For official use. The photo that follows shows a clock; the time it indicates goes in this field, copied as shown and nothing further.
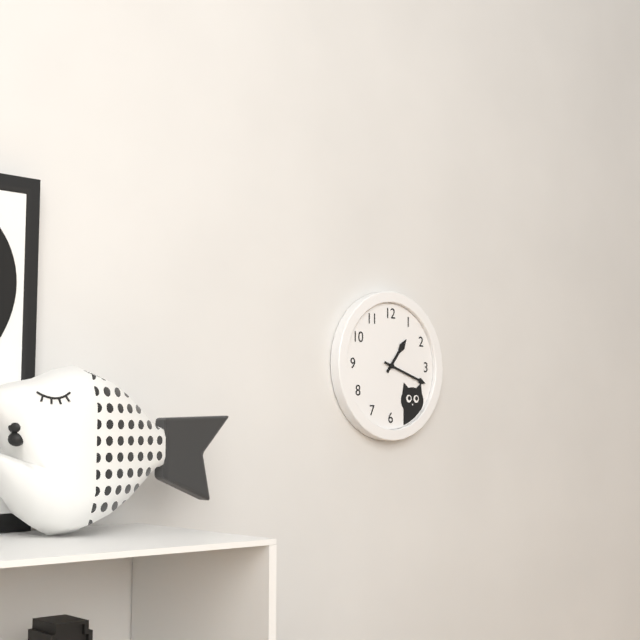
1:18
